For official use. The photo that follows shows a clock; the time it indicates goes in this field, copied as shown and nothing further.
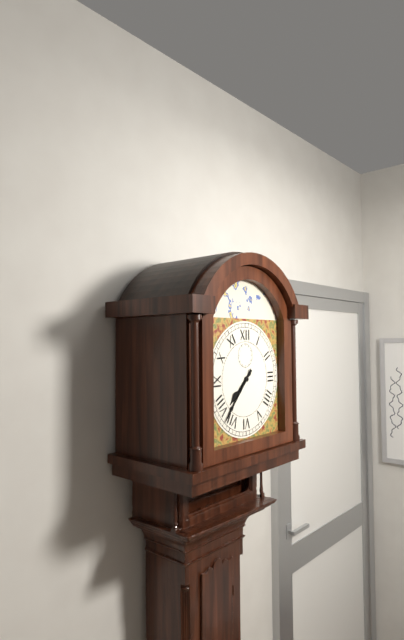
7:37
